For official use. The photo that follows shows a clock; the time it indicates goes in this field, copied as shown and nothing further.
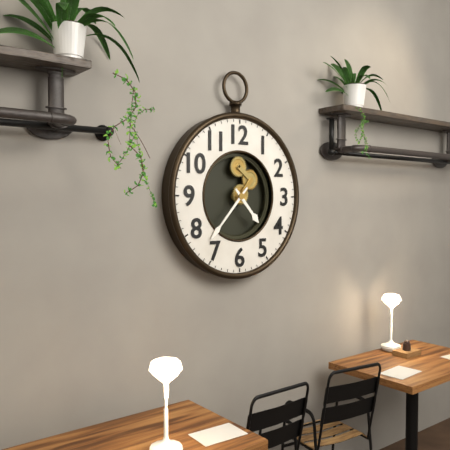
4:37
